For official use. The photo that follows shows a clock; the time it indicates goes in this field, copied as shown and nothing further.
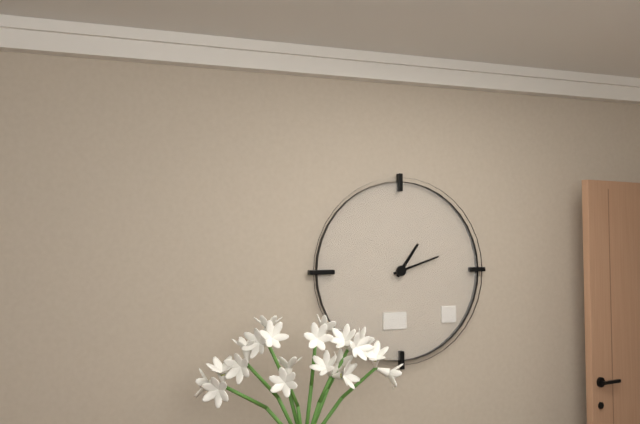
1:12
